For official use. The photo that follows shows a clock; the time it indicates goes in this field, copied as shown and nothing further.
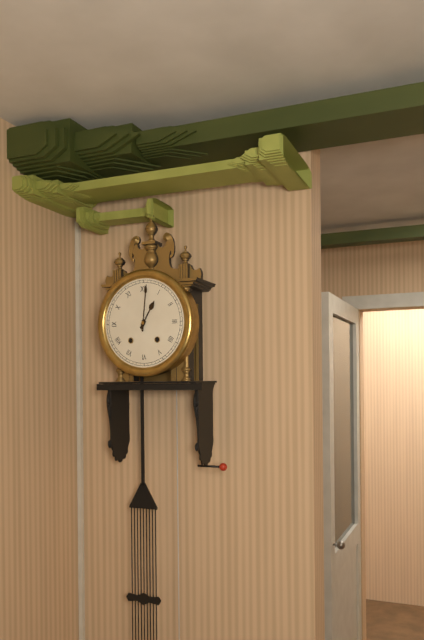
1:01
